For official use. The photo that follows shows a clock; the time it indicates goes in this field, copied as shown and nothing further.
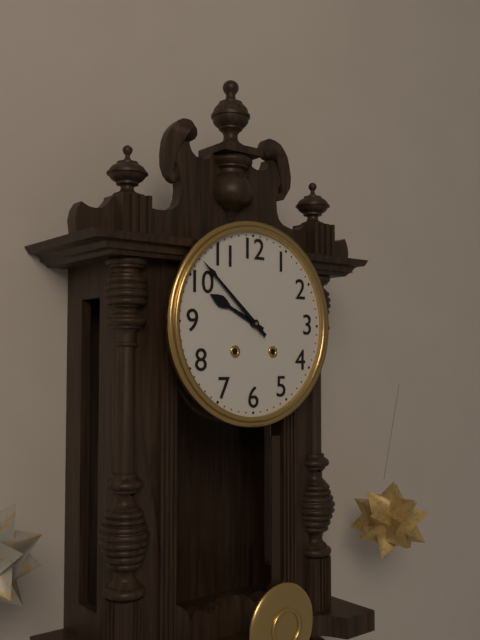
9:52
